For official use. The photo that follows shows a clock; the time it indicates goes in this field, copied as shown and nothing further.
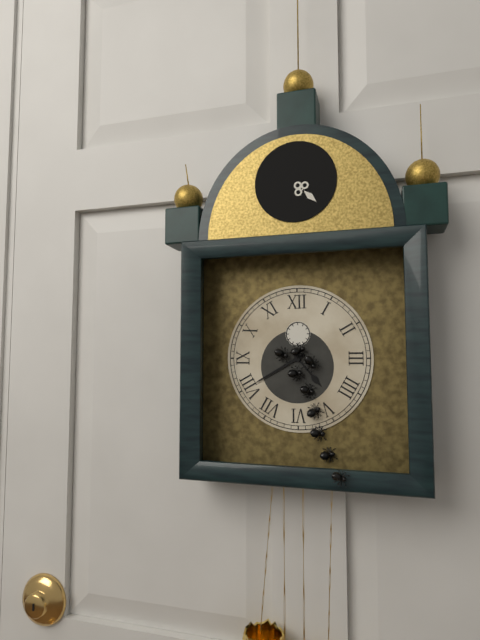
4:40
